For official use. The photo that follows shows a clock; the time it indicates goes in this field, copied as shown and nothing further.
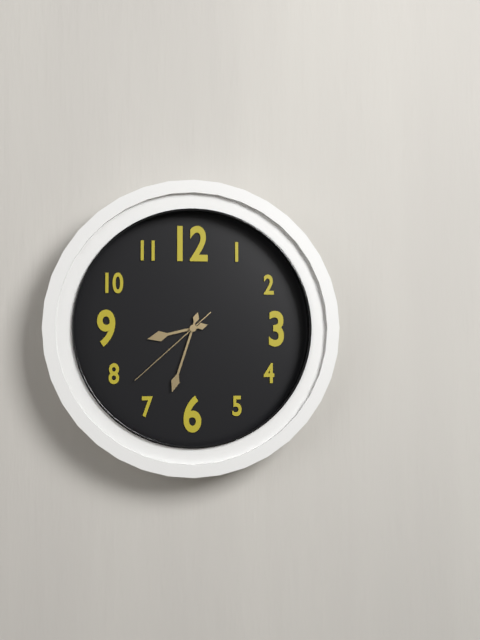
8:33:38
